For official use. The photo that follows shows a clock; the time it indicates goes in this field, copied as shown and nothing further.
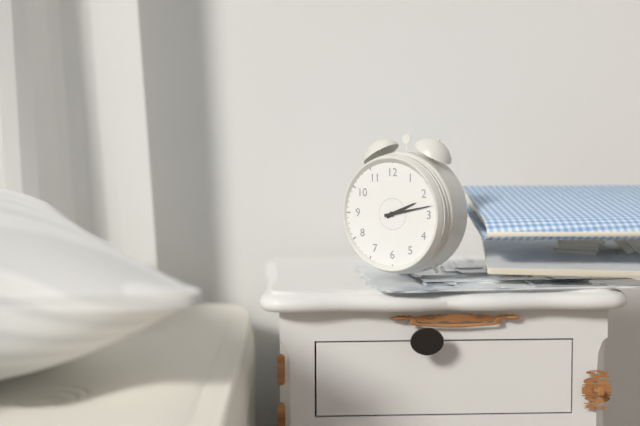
2:13
